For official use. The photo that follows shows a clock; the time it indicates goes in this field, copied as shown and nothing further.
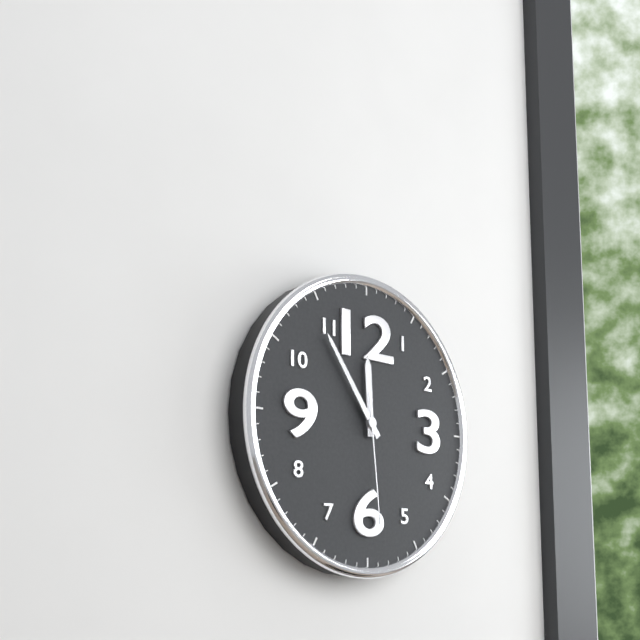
11:54:29
